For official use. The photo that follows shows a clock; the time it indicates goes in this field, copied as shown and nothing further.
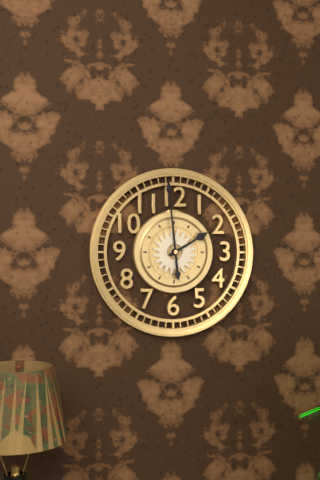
1:59
